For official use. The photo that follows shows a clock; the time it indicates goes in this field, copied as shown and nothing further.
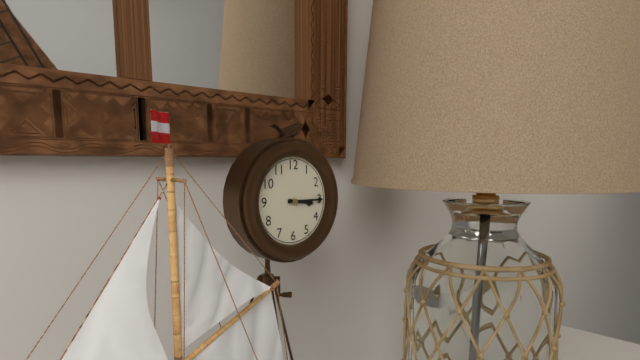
3:15
